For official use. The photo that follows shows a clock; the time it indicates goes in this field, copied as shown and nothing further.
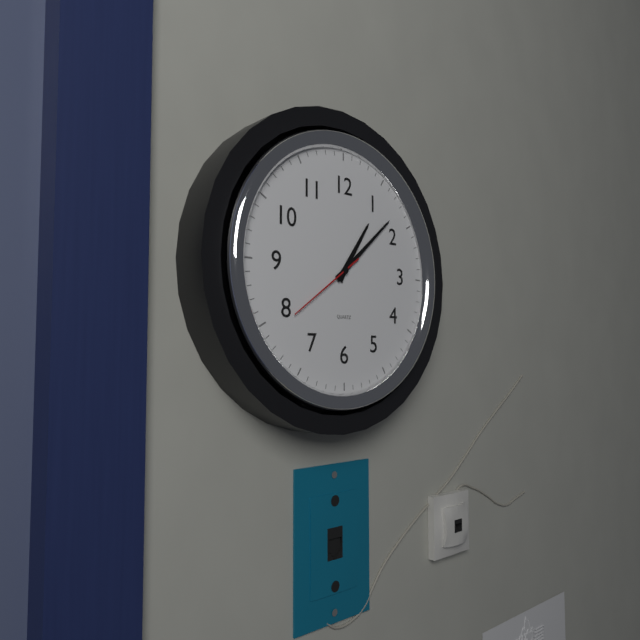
1:08:39
